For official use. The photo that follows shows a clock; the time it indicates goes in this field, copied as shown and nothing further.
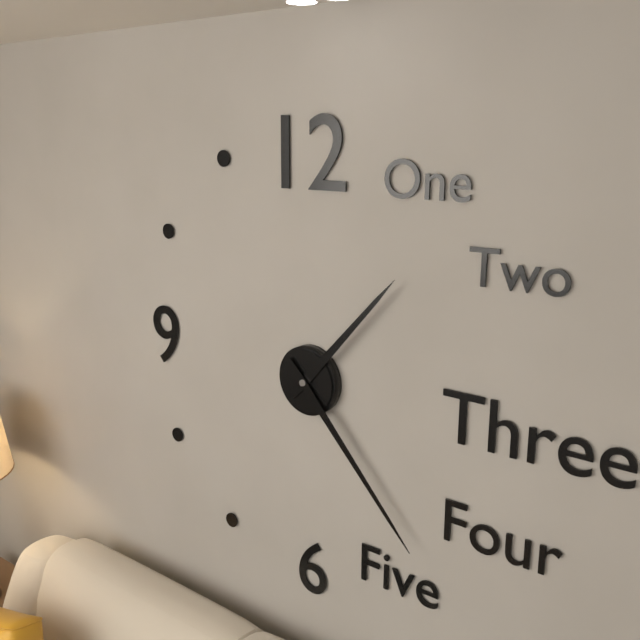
1:23
